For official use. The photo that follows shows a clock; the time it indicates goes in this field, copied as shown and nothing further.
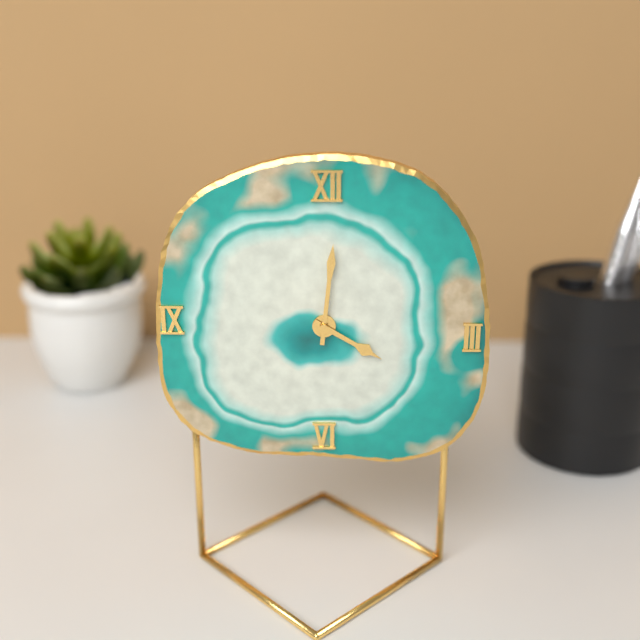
4:01
